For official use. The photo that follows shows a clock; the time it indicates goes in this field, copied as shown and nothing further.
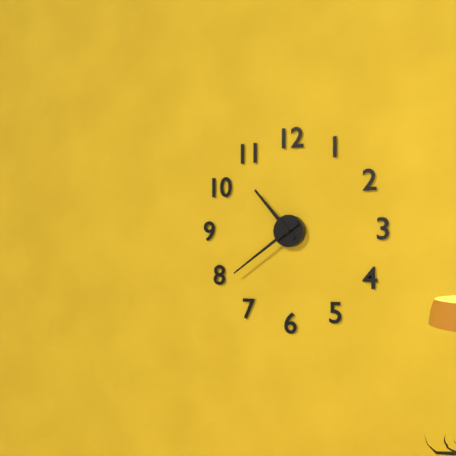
10:39
